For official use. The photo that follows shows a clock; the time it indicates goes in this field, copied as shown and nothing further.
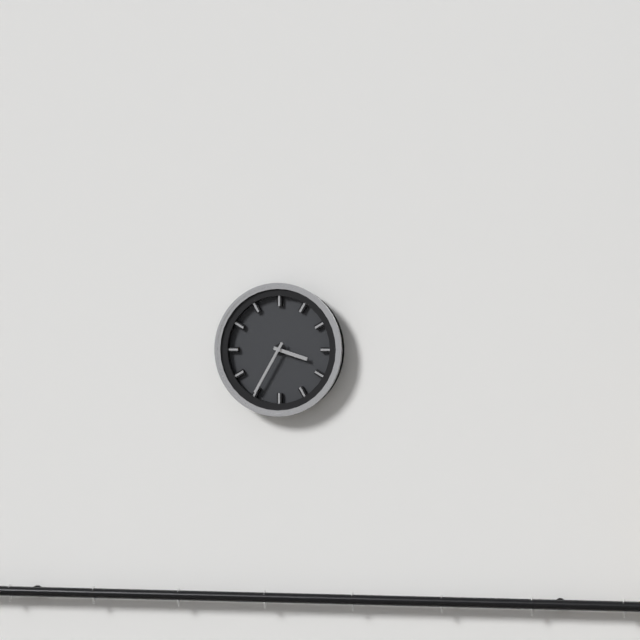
3:35
